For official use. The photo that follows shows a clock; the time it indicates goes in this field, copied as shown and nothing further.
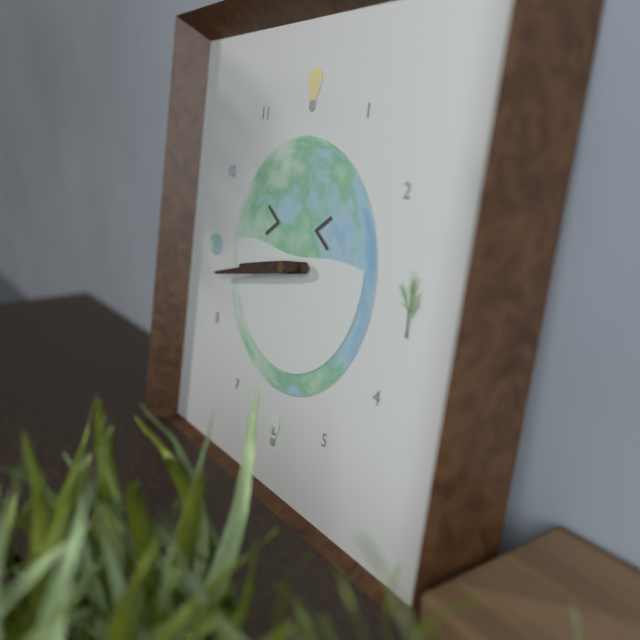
8:43
